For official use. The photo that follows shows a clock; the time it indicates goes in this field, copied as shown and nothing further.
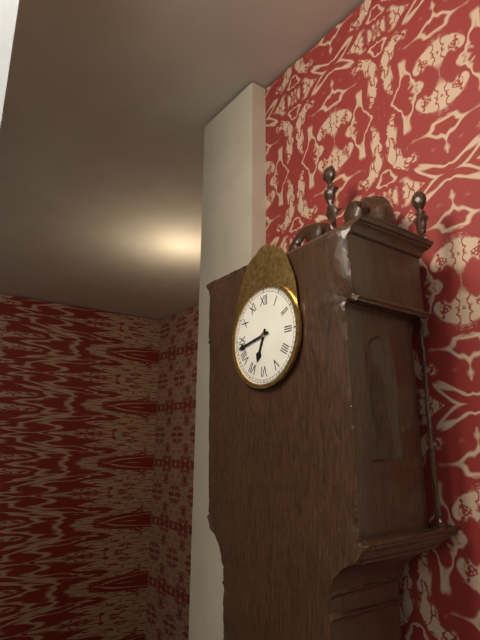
6:43
